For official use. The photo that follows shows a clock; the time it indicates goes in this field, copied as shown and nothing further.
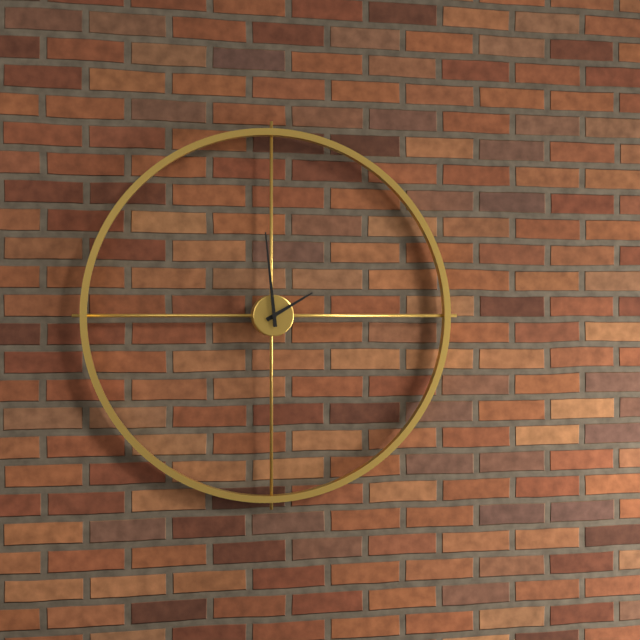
1:59
